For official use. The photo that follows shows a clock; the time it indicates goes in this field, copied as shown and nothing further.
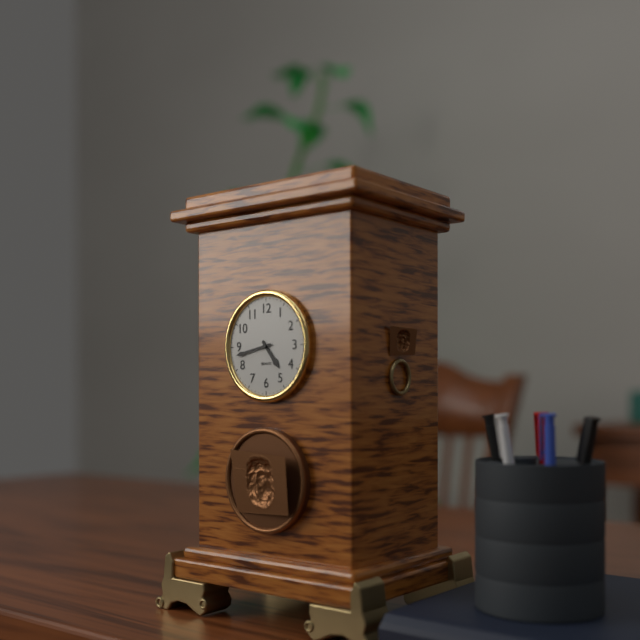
4:43
